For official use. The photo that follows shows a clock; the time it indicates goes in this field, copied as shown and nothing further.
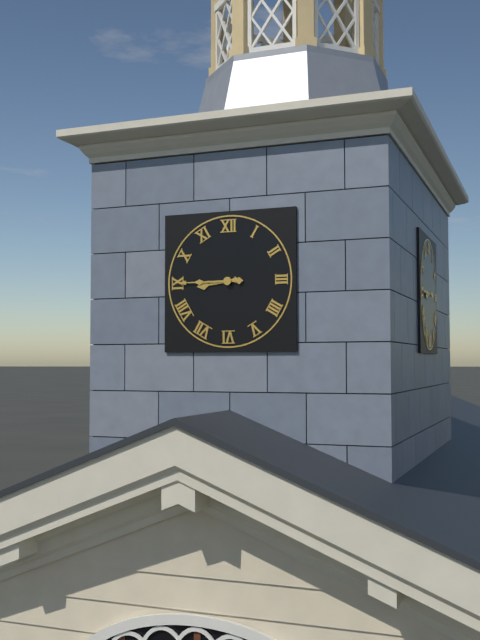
8:45
